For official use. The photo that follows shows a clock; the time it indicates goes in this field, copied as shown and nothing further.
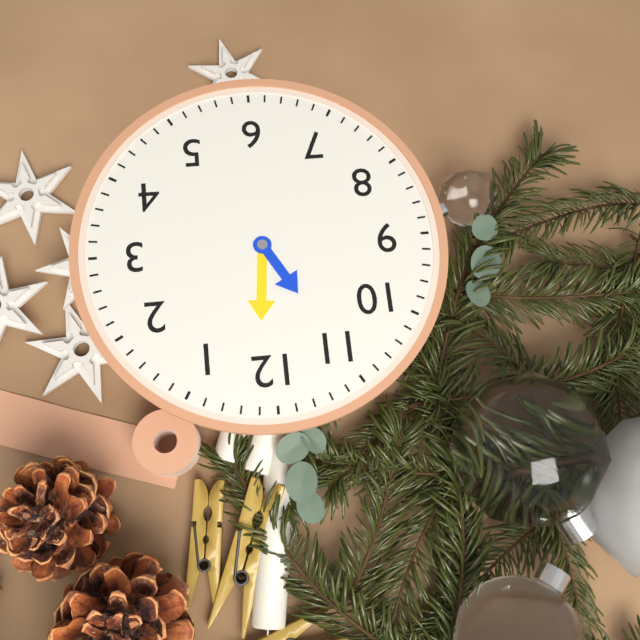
11:01
